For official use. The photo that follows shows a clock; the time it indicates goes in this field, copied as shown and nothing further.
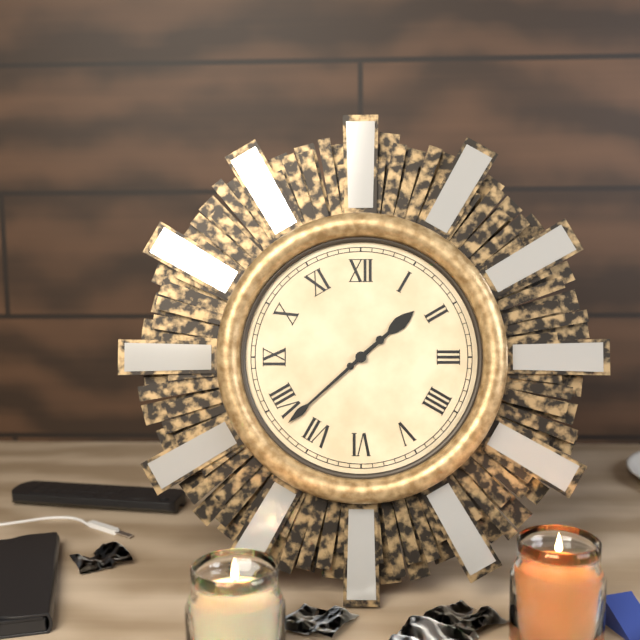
1:38
